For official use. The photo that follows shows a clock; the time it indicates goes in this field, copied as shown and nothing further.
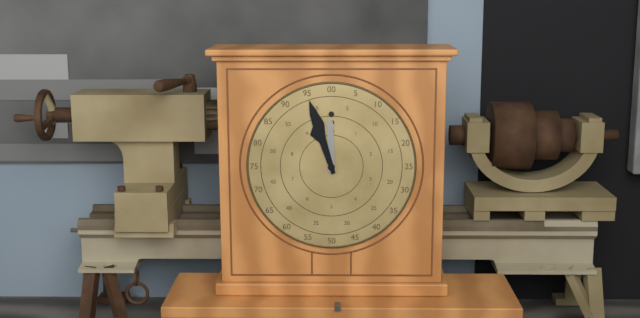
11:57
